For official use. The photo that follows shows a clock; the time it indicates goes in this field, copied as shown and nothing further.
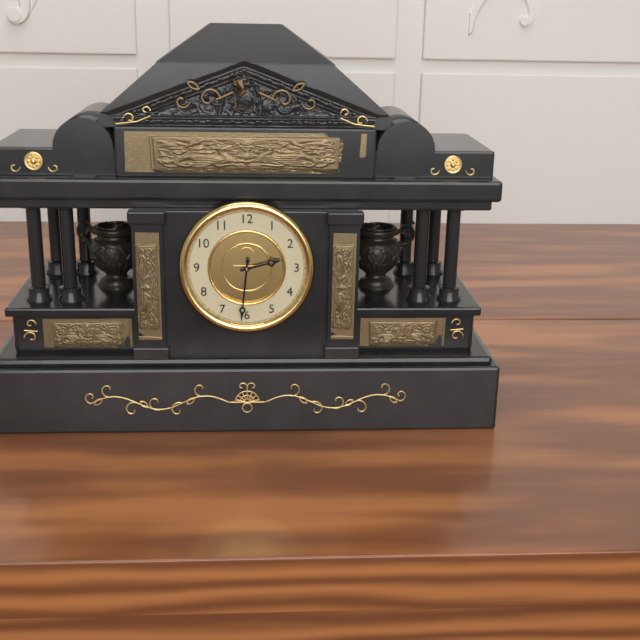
2:31
